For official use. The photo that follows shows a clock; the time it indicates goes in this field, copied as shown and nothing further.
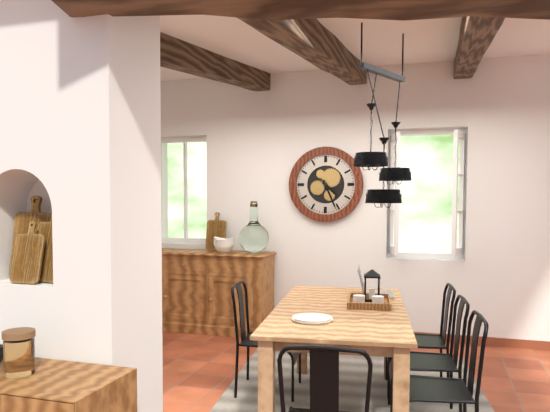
4:26
